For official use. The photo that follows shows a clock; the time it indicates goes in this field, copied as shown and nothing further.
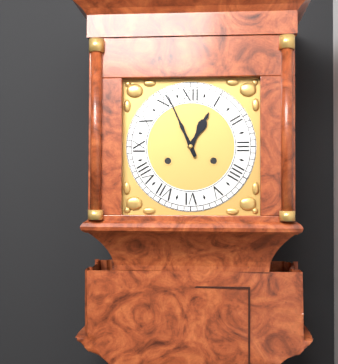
12:56
